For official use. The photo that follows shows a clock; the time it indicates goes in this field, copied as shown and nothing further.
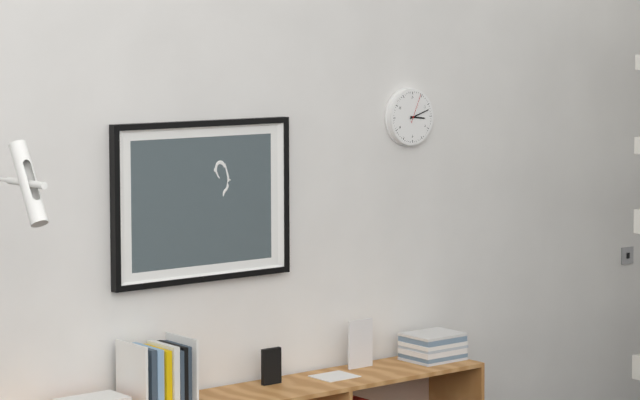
3:12
